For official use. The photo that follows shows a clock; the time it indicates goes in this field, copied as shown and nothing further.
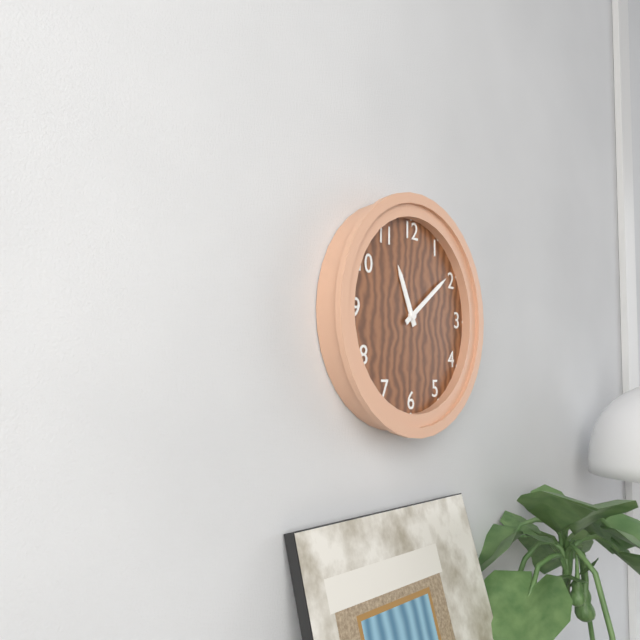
11:09
